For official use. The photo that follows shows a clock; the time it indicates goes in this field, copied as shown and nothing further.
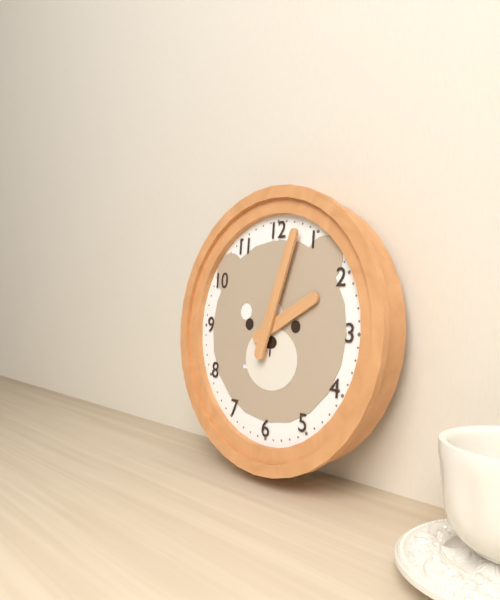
2:03
